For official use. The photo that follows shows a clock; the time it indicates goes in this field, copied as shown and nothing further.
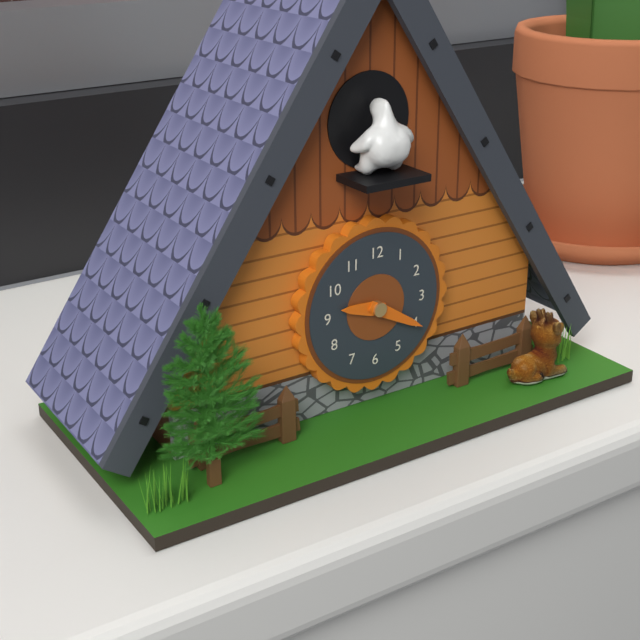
9:20
